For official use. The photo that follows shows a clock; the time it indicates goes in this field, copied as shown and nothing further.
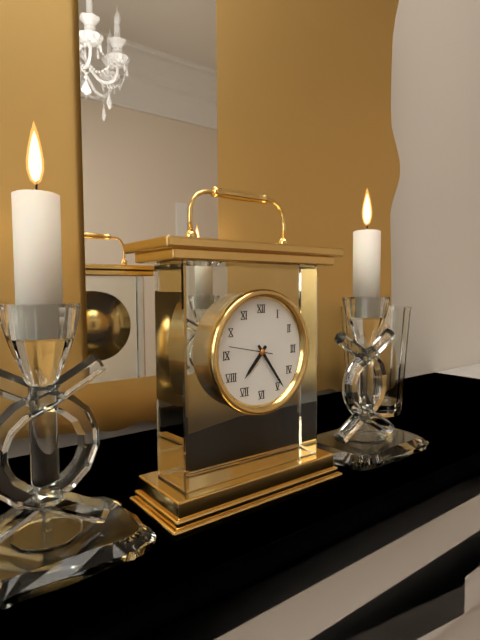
7:24
